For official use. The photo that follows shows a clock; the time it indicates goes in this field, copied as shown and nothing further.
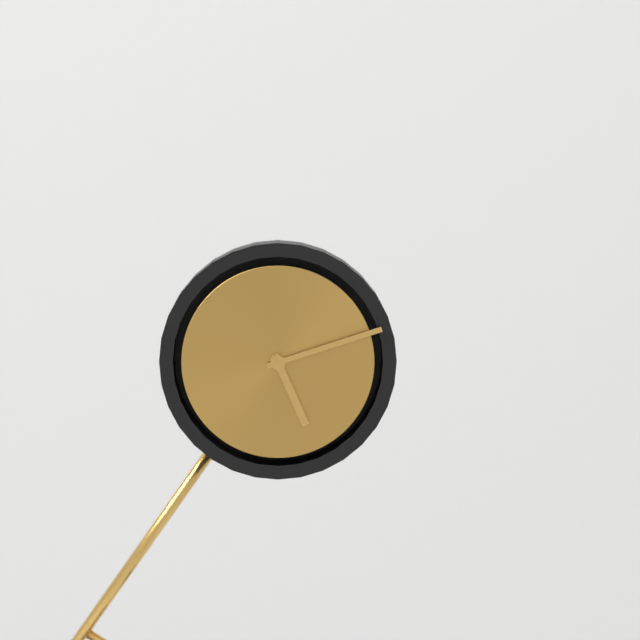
5:12
